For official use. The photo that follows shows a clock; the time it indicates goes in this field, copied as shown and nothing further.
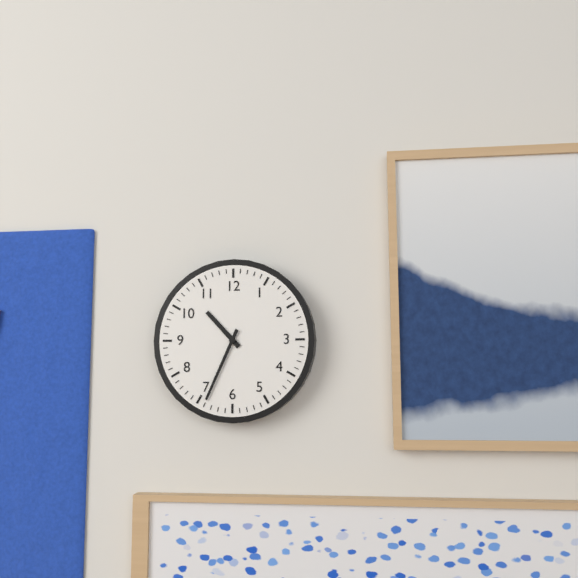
10:34
